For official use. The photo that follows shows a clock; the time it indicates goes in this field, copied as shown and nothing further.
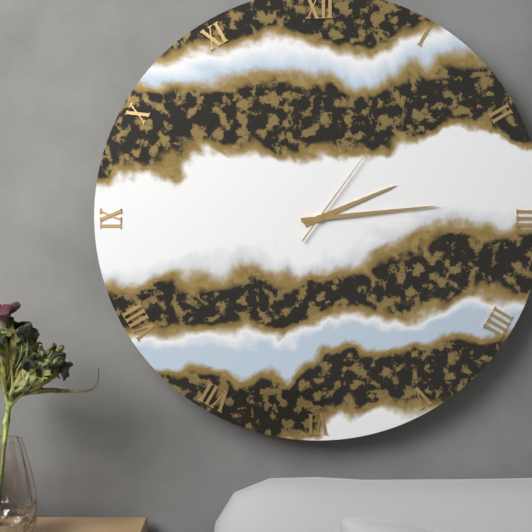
2:14:06
